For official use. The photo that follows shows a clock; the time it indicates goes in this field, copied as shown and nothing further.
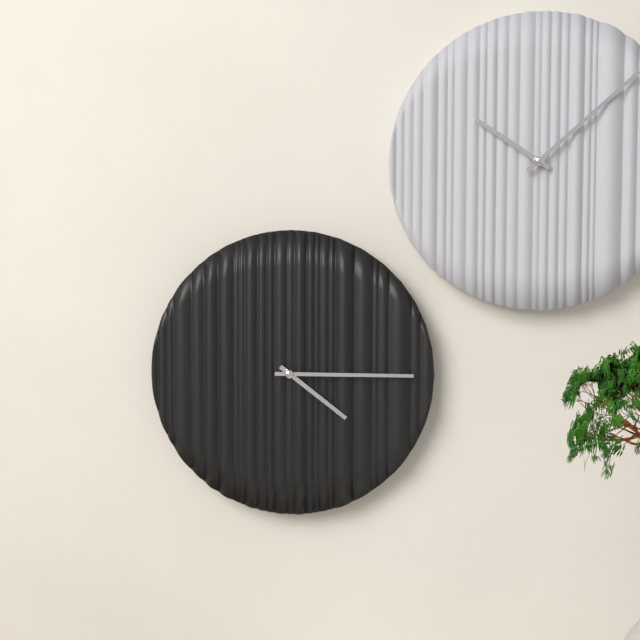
4:15
